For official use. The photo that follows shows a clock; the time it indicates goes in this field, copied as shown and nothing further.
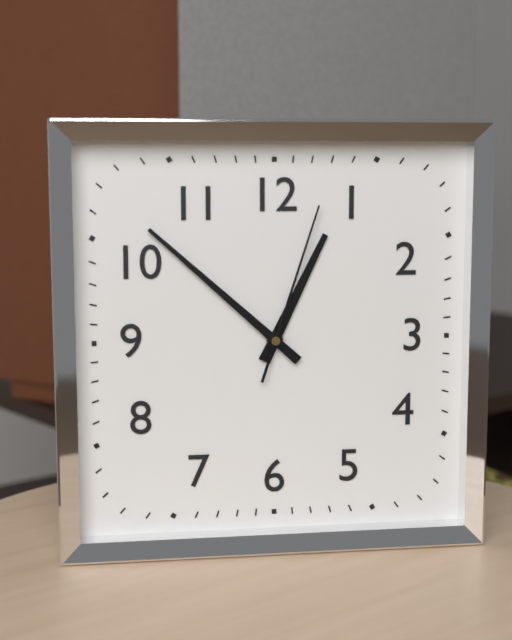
12:52:03
